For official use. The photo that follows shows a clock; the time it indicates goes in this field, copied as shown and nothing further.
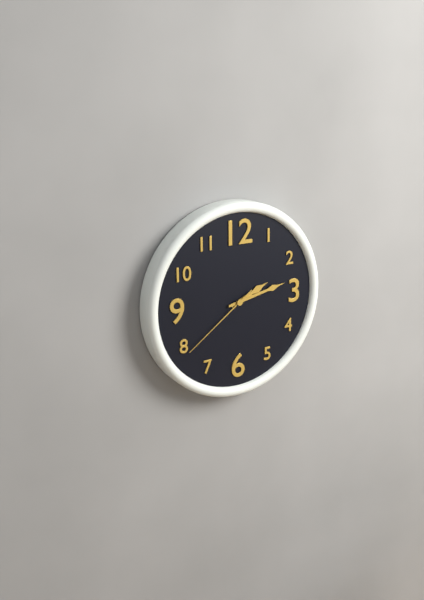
2:13:39
